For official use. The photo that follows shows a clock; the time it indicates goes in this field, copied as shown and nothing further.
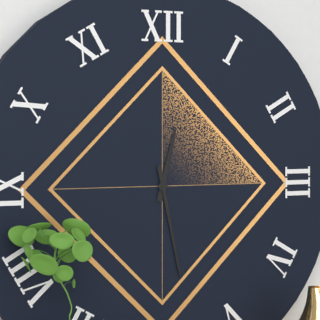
12:28
